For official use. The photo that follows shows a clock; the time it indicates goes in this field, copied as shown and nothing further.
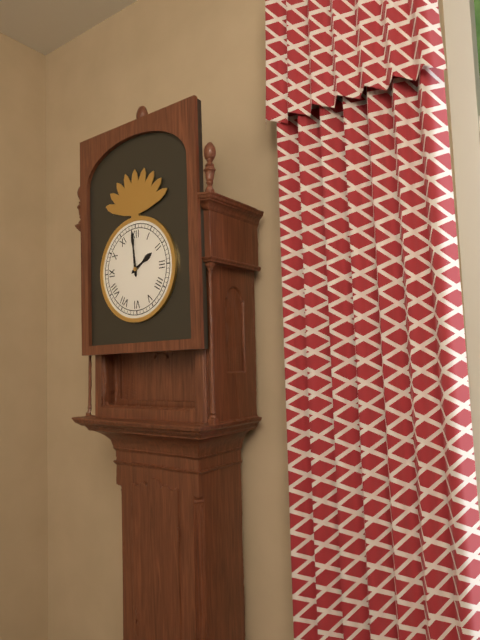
1:59
